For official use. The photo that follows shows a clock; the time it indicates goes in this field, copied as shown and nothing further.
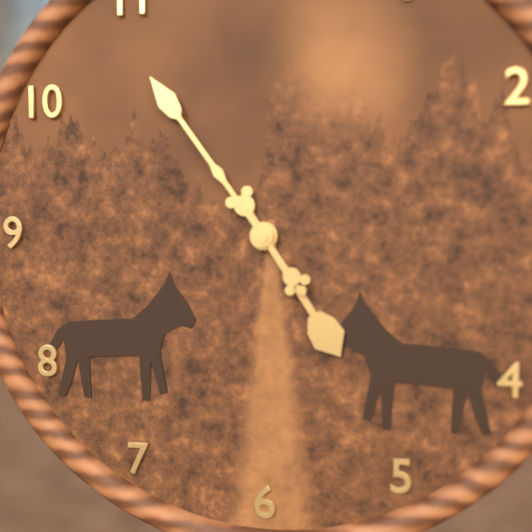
4:54
